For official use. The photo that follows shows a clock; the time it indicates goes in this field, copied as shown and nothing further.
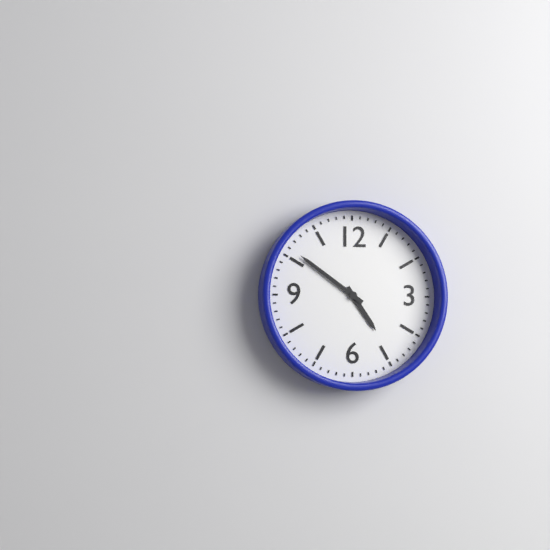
4:51
